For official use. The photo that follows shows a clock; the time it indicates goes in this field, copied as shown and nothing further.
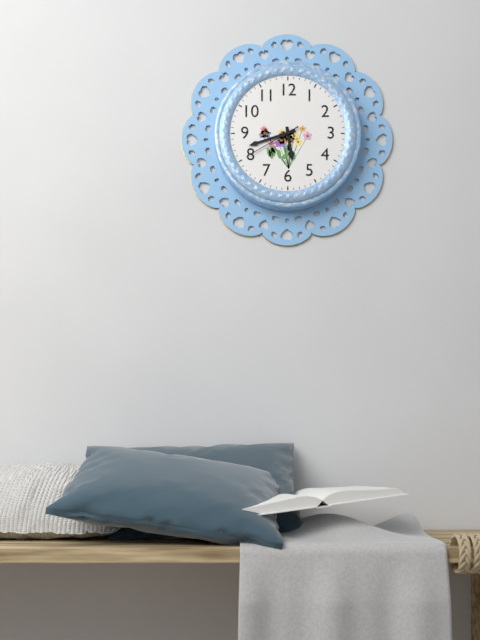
5:42:40
